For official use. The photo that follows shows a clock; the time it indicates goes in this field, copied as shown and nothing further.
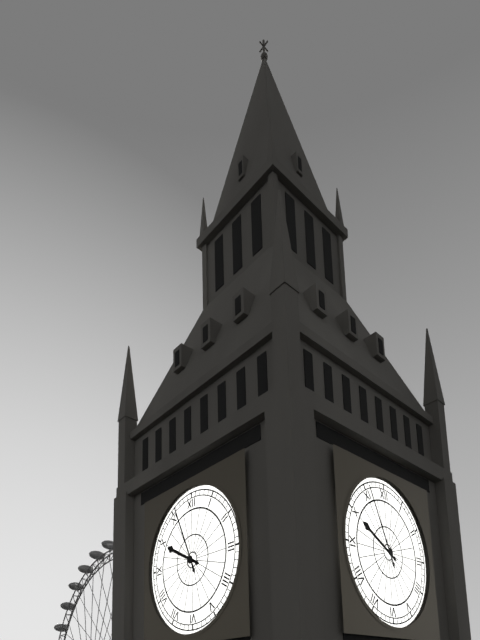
9:56
